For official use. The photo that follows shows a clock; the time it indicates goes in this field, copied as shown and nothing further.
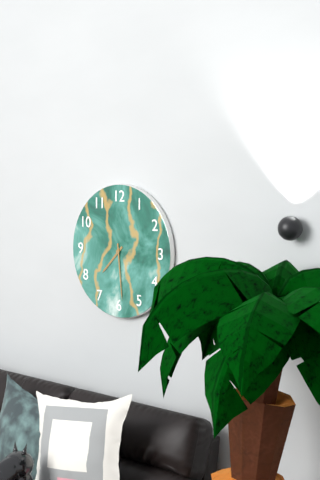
7:29
